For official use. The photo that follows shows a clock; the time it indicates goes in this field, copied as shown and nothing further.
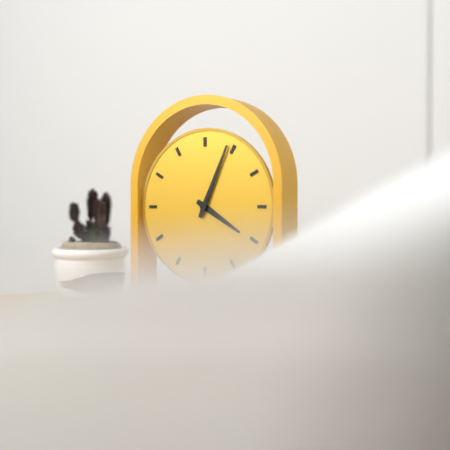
4:04
